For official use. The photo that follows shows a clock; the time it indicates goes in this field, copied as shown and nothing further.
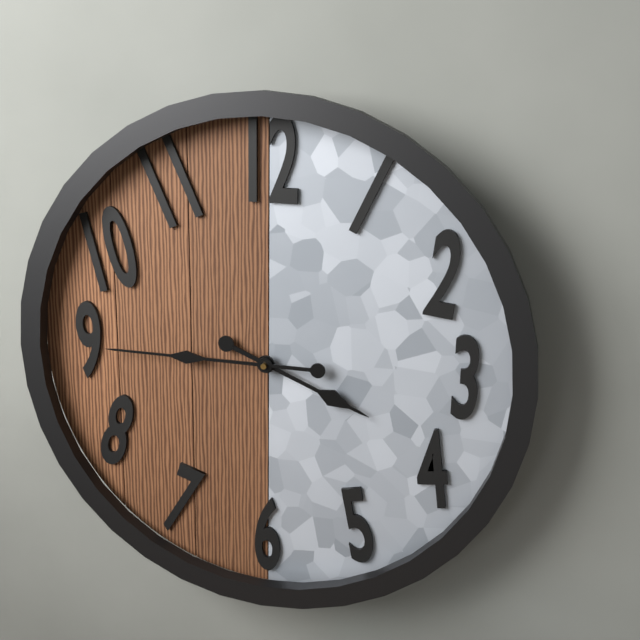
3:45
